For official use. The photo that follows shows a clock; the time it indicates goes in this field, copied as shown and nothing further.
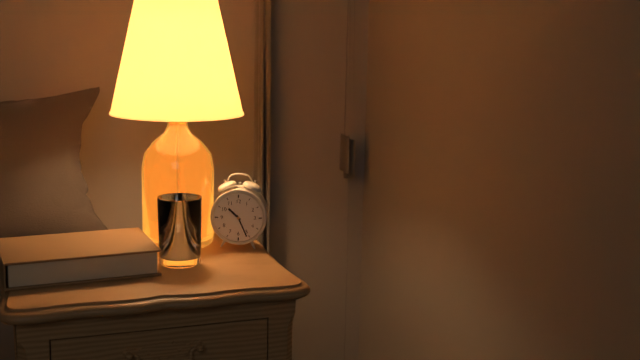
10:26
